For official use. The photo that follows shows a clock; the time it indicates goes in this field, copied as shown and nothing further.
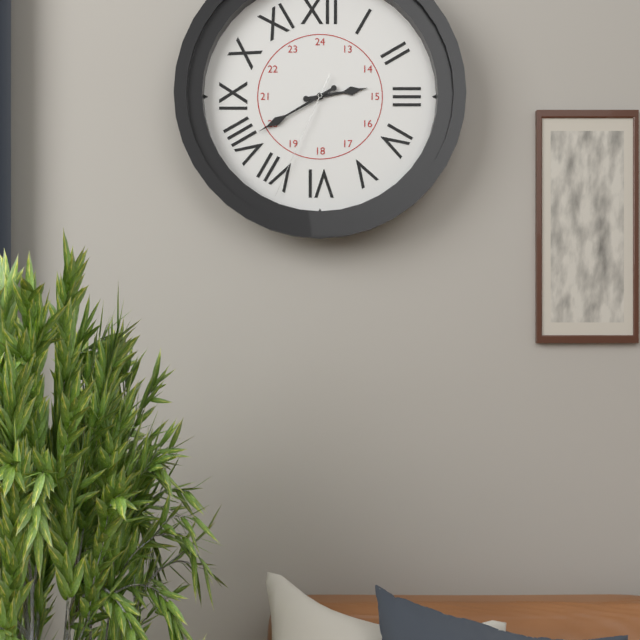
2:40:34
